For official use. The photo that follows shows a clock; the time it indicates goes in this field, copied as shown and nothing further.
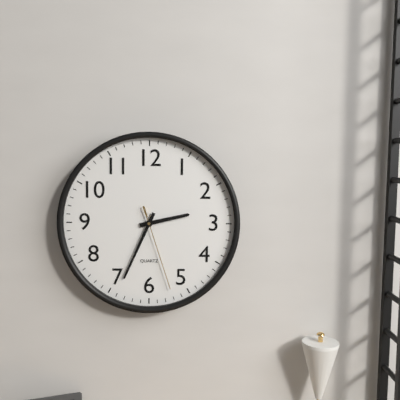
2:34:27
